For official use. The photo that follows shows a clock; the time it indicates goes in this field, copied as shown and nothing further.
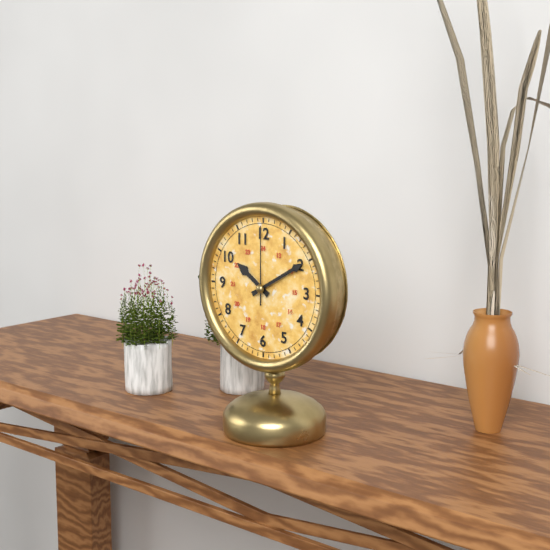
10:10:00
